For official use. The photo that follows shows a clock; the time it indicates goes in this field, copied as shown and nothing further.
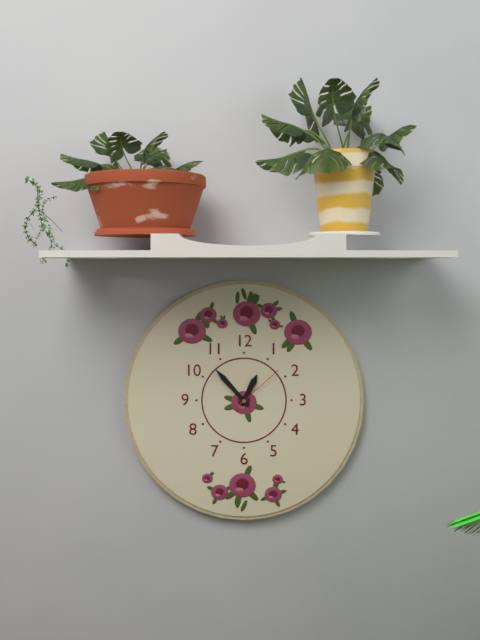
12:53:08
